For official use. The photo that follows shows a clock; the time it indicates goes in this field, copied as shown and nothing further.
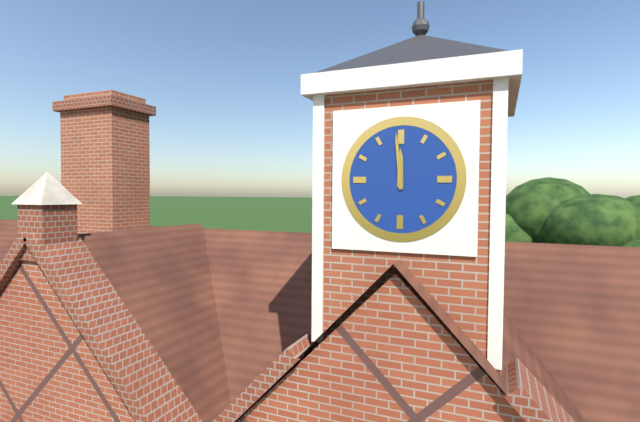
11:59
